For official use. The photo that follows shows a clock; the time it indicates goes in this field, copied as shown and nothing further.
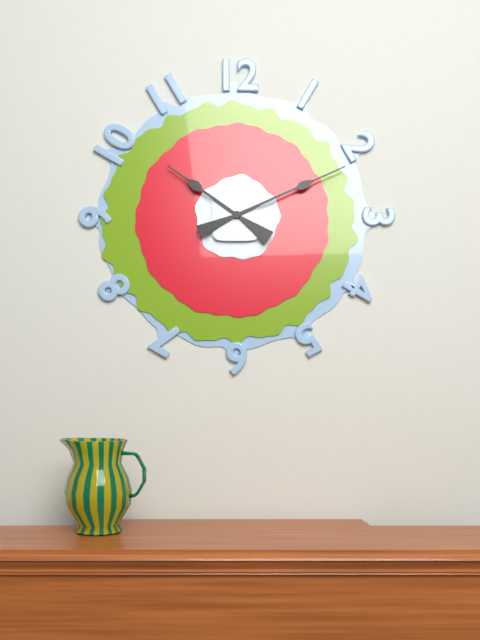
10:11
